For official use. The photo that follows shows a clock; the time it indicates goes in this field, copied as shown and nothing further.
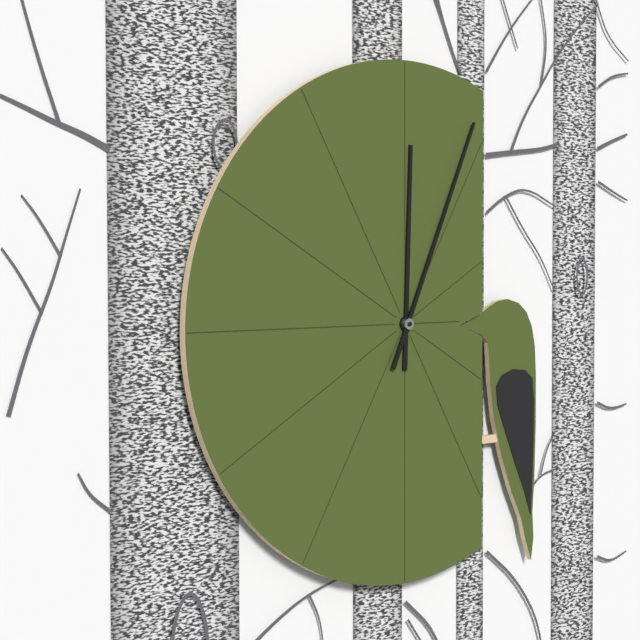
12:04
